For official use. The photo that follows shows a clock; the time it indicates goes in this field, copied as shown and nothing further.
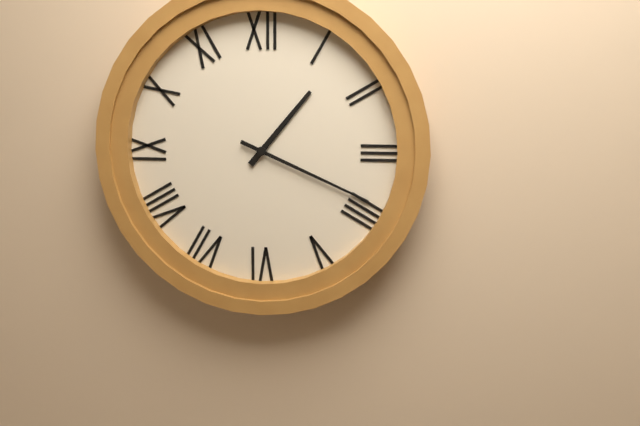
1:19
